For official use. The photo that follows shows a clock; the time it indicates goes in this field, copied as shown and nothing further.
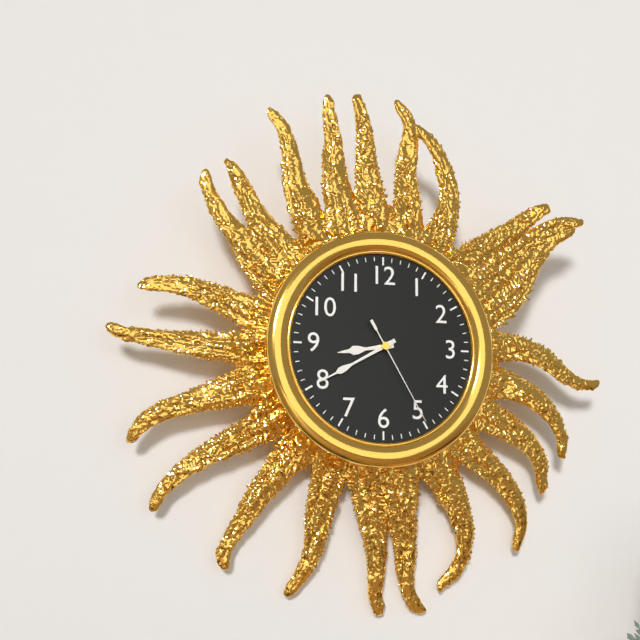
8:40:25
